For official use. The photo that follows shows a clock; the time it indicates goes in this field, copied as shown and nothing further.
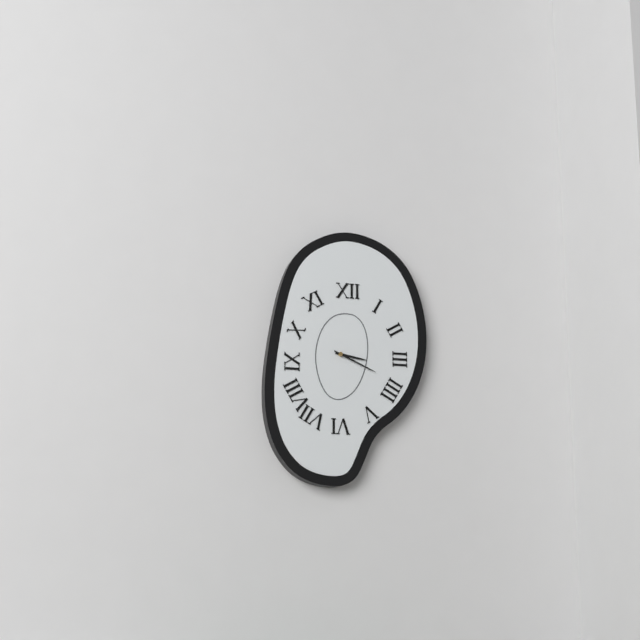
3:19
